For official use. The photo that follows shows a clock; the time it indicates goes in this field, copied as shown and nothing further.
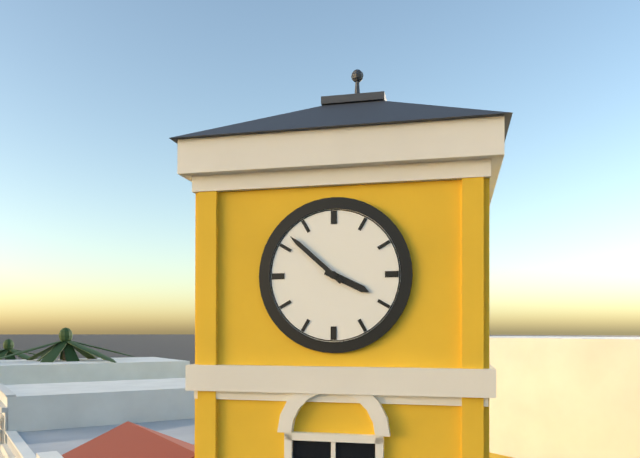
3:52
